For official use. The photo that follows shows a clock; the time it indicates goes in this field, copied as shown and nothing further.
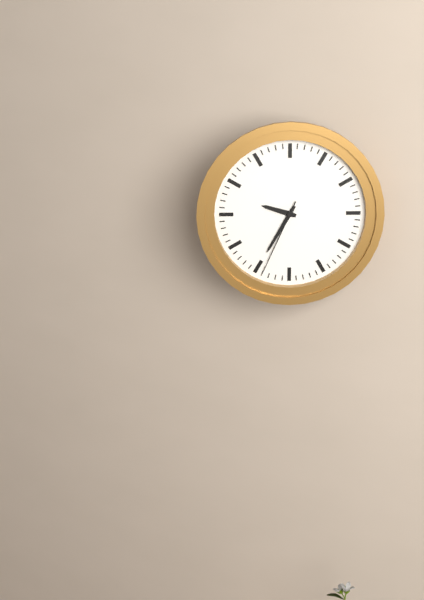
9:35:34
